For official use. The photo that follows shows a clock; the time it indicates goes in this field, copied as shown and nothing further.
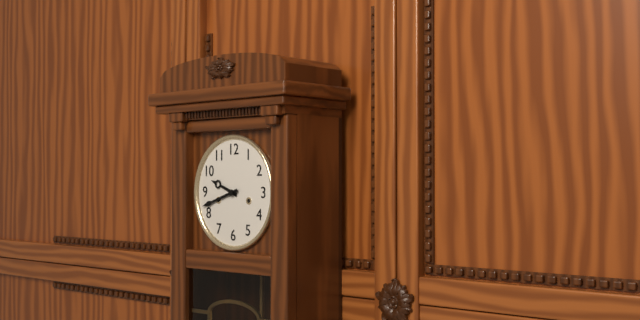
9:42
